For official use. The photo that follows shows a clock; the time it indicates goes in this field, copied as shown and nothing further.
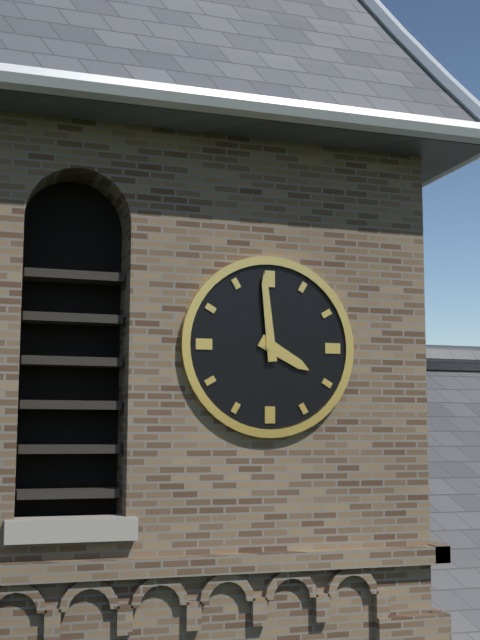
3:59
